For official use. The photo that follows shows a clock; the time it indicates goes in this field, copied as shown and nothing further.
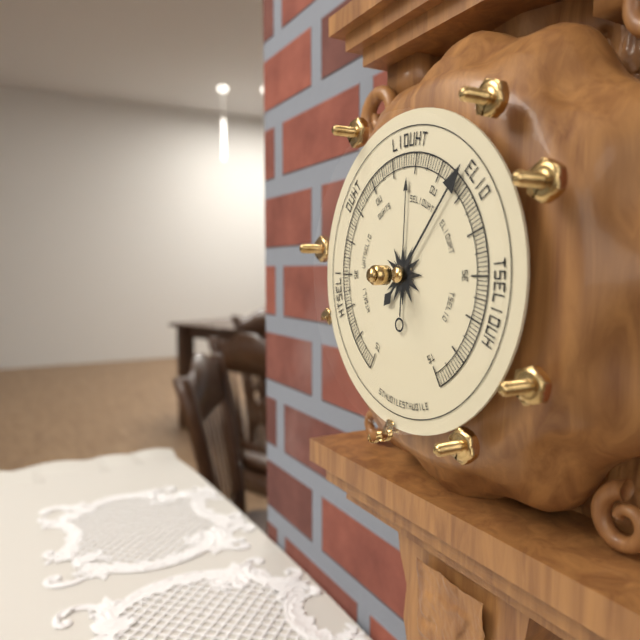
12:07
